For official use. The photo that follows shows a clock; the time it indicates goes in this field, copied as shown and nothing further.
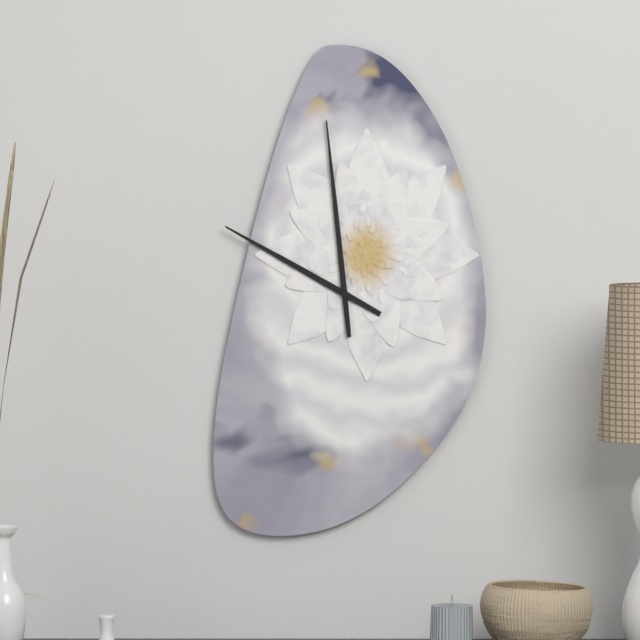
9:59
